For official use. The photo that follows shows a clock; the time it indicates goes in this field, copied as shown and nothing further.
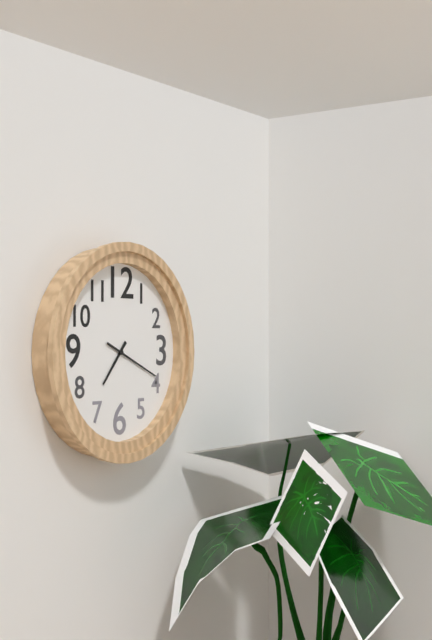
7:19
